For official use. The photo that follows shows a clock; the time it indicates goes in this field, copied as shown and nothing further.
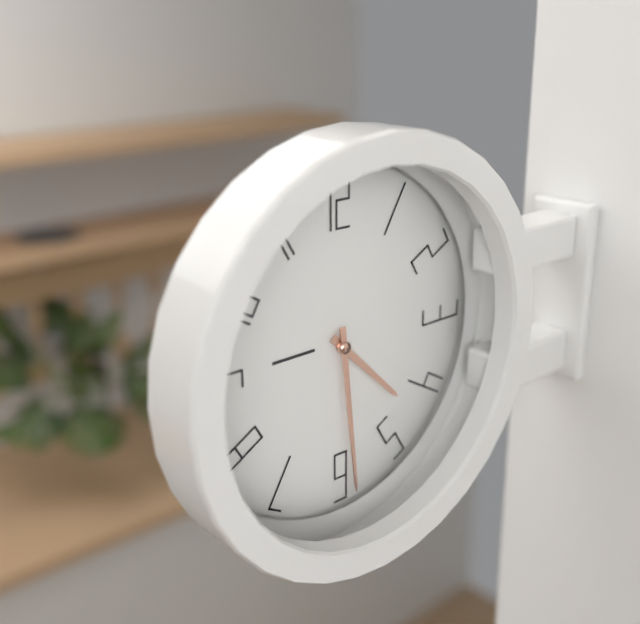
4:29
